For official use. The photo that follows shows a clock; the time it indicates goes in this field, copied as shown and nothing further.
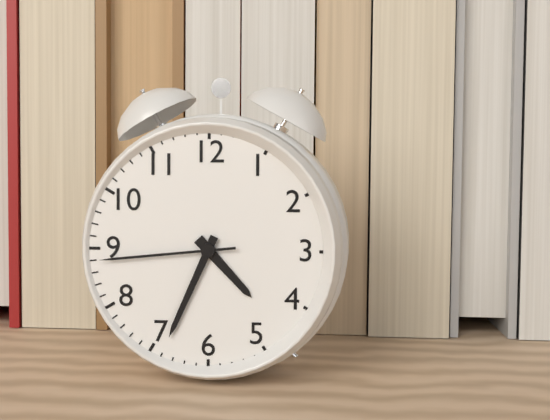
4:34:44
